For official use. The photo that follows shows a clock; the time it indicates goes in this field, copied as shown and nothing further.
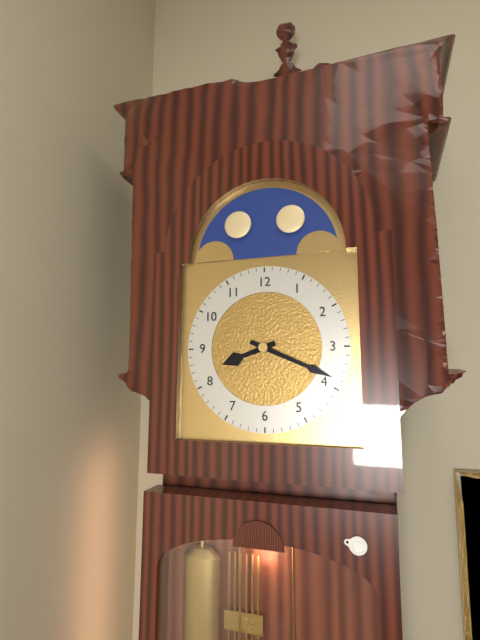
8:19
